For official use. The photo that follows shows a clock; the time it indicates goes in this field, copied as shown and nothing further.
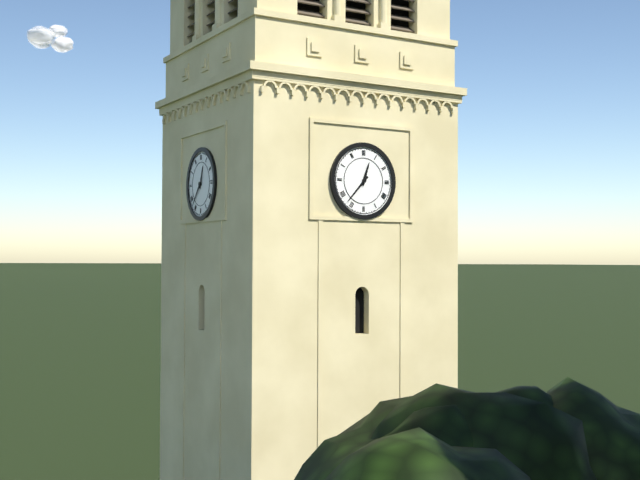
12:37
